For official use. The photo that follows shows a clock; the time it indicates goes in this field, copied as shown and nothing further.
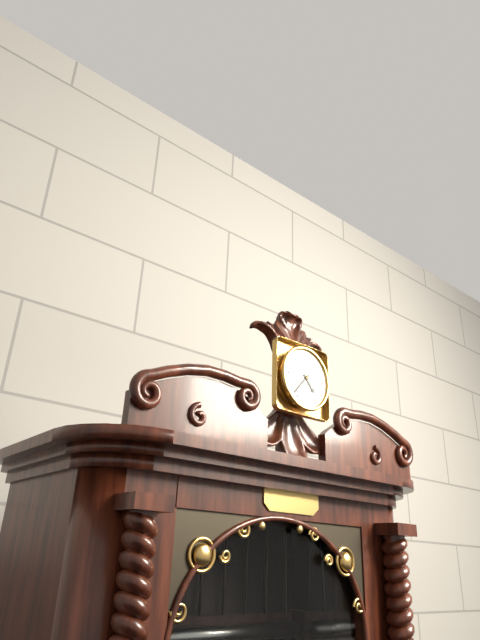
4:37
